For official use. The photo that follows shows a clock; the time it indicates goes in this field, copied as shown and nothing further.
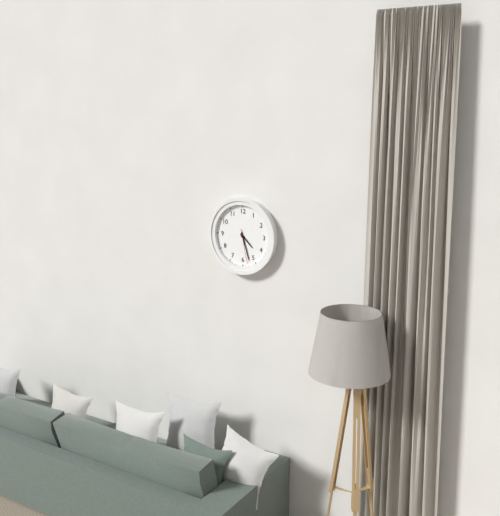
4:27
